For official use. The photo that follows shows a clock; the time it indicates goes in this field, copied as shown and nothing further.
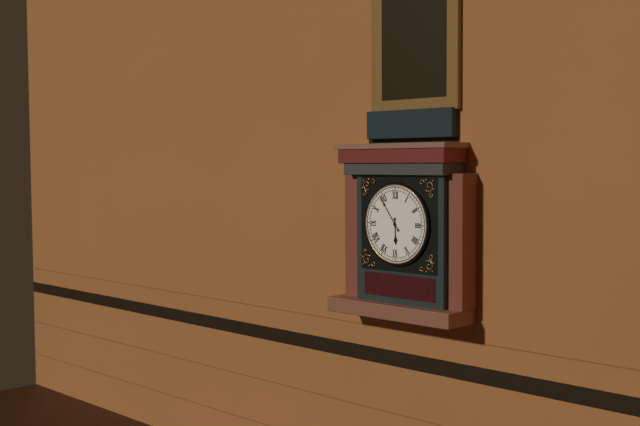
5:54
